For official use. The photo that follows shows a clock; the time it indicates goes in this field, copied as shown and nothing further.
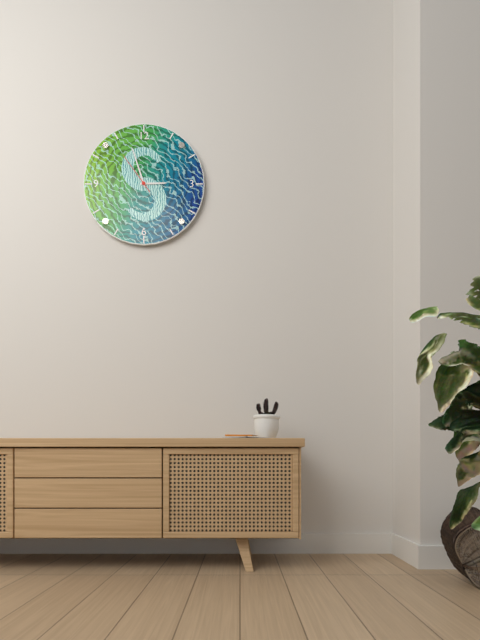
2:57
